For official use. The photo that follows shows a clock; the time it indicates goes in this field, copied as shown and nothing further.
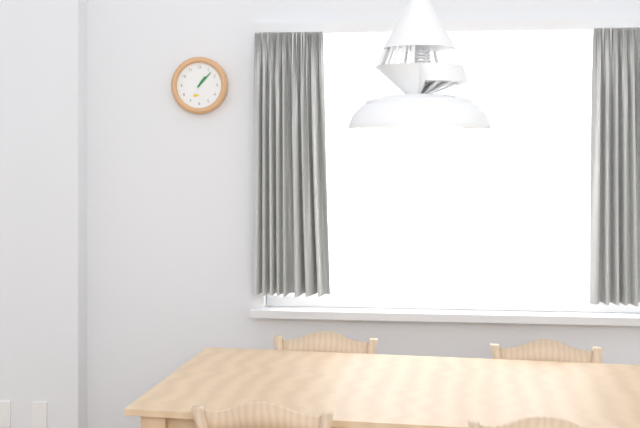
1:07
